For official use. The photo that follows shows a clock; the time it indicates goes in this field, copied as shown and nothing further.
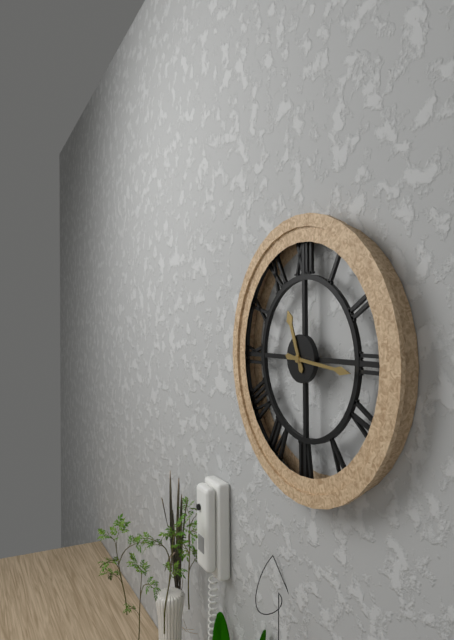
11:16
